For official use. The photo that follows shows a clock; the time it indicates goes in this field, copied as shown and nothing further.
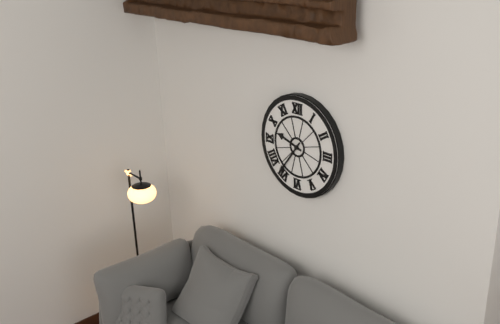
9:36
